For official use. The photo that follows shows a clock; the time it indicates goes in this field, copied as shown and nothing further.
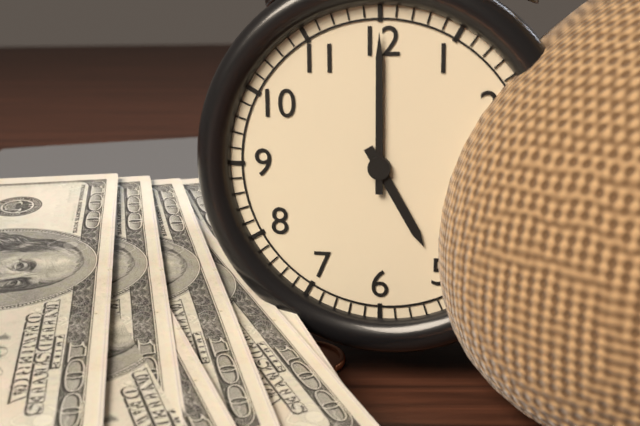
5:00
